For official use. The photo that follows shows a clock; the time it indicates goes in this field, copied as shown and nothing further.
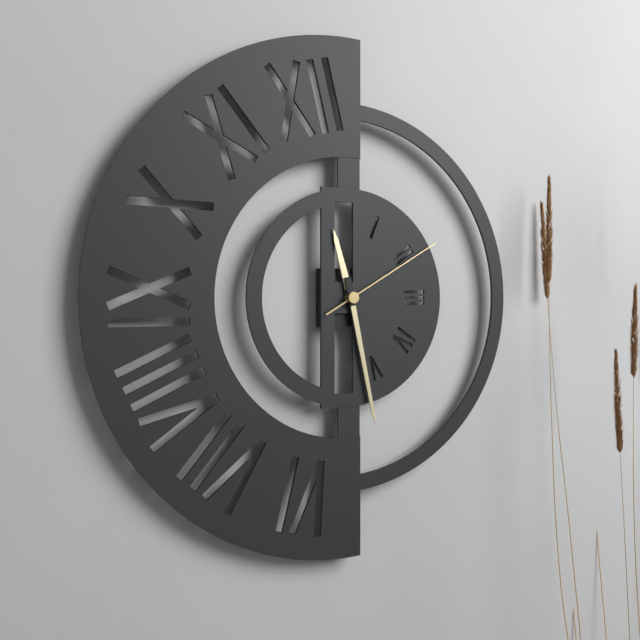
11:28:10
